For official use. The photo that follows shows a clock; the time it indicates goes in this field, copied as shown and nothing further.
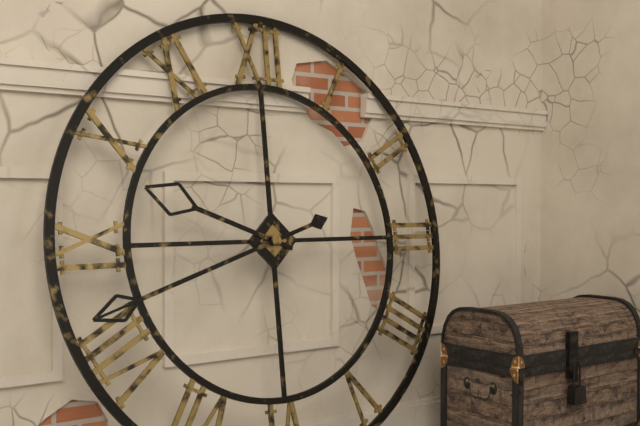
9:42
